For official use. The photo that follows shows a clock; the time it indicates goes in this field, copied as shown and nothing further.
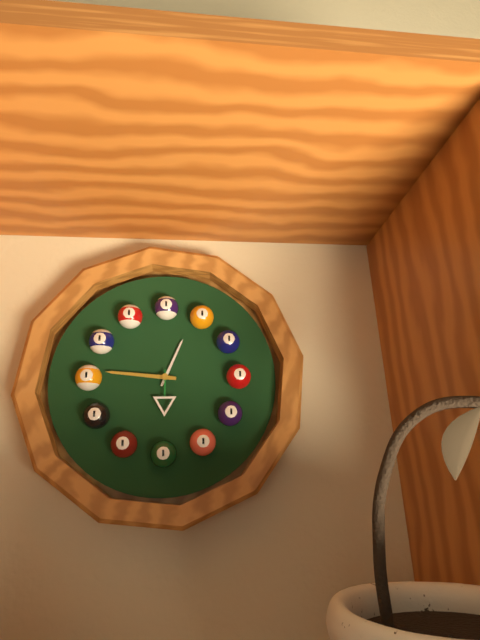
12:46:30
